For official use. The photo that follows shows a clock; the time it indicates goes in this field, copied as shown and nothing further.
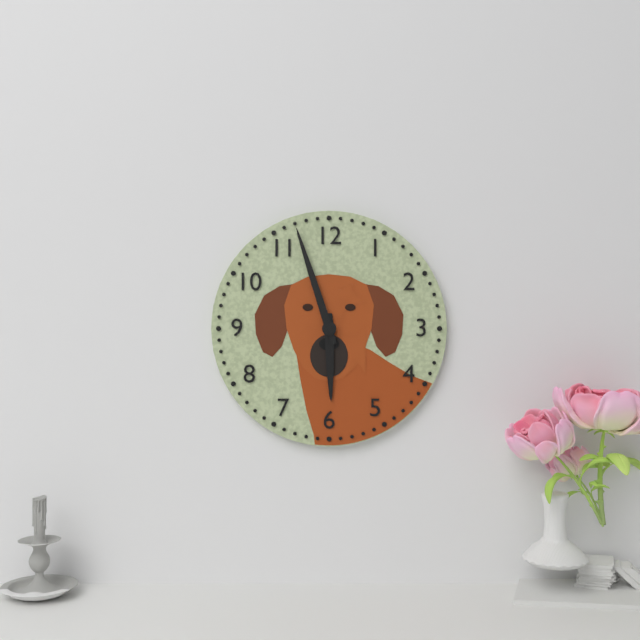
5:57
